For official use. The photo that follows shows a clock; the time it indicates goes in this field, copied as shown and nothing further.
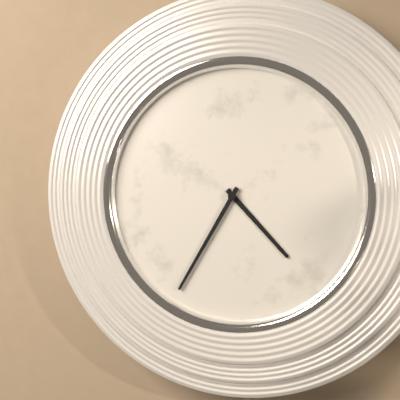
4:35
